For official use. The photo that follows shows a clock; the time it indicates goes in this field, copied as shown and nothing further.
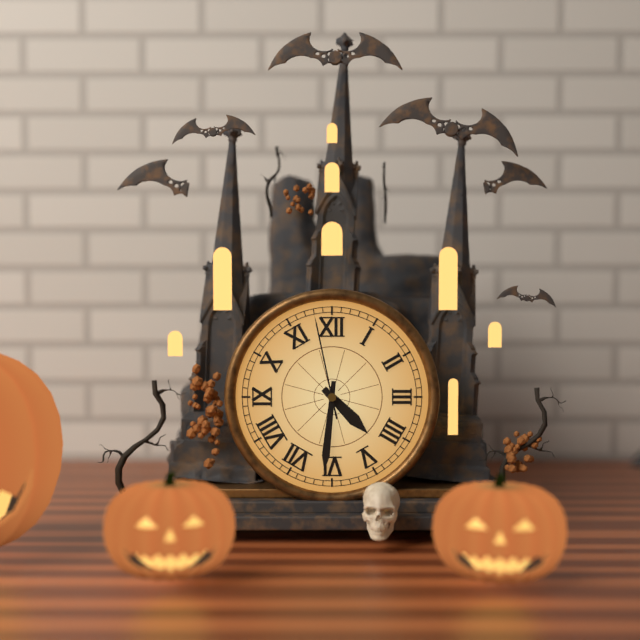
4:31:58
